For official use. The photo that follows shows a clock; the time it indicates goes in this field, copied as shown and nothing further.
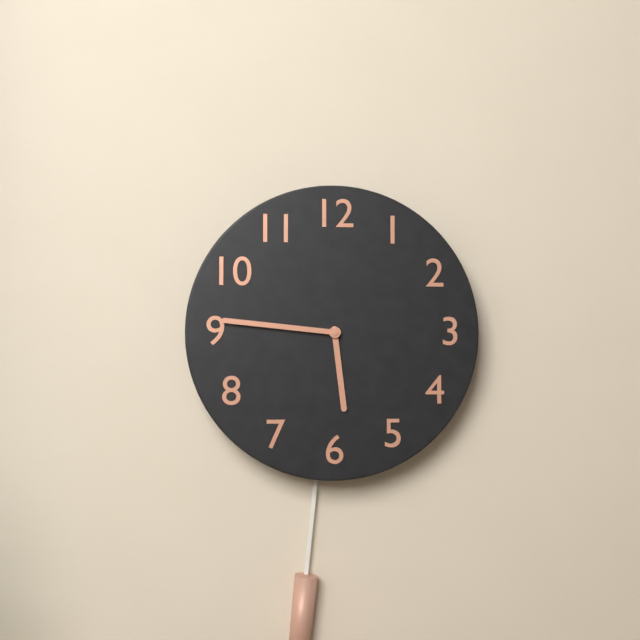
5:46
